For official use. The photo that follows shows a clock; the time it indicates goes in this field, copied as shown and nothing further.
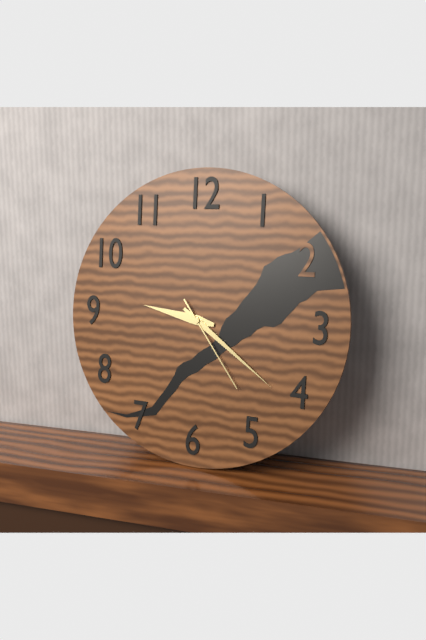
9:21:24
